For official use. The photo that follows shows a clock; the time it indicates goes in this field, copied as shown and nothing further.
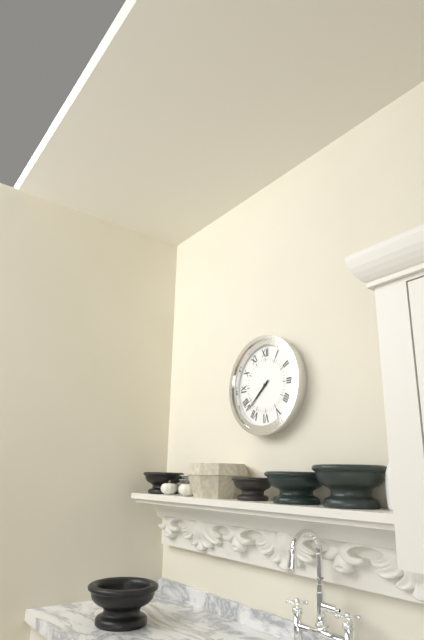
7:38
